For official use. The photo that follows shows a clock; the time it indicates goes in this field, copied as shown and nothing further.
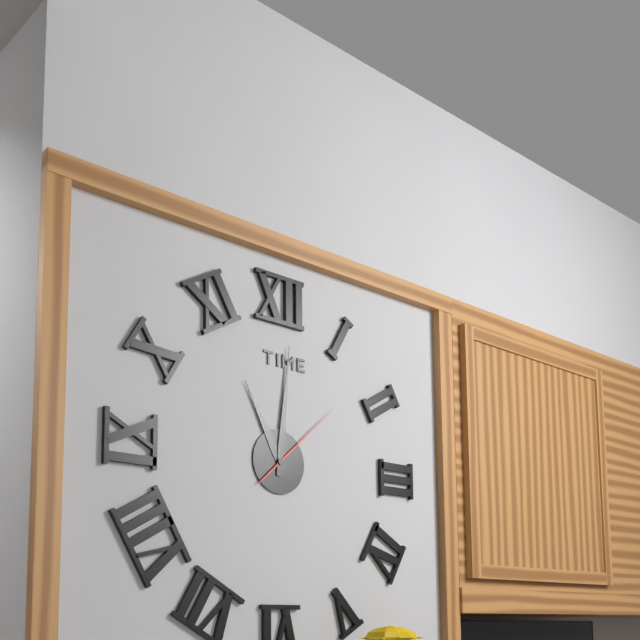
11:01:08
